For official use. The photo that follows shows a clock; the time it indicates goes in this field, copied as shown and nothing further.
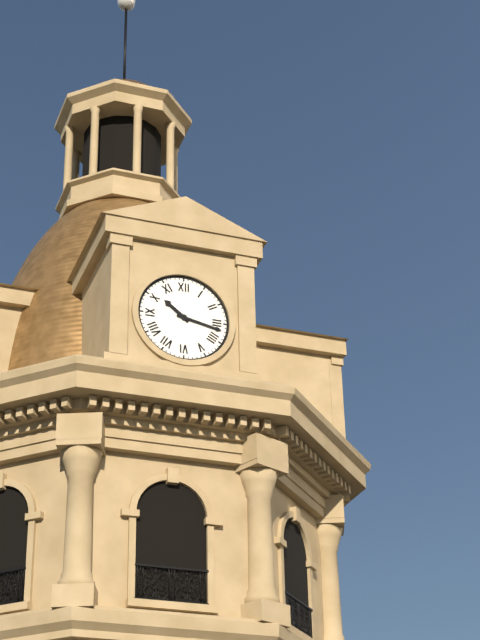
10:17
